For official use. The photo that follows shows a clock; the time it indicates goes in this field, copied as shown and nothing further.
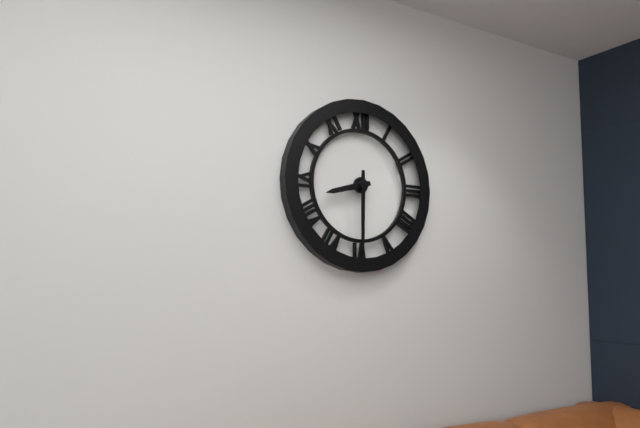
8:30
